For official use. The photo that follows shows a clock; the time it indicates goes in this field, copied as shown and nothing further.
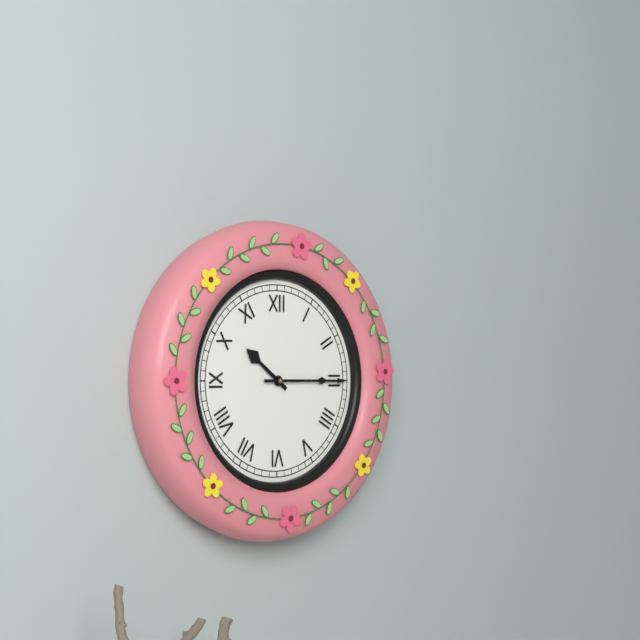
10:15
